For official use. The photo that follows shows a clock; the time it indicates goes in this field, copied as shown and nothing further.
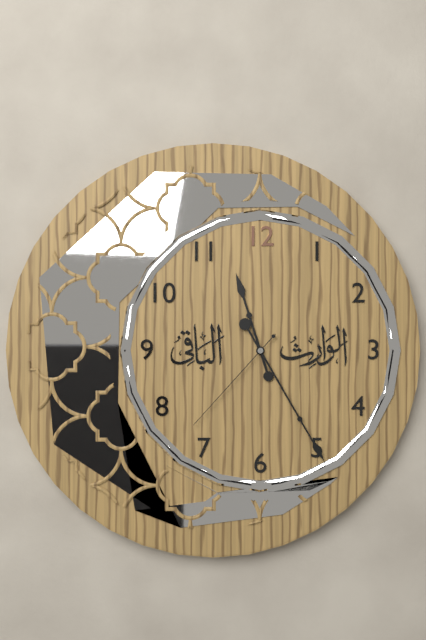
11:25:37
